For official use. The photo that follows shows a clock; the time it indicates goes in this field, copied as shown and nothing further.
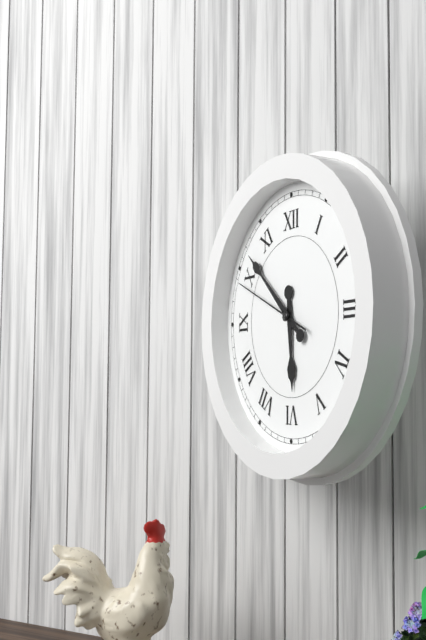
5:52:49
